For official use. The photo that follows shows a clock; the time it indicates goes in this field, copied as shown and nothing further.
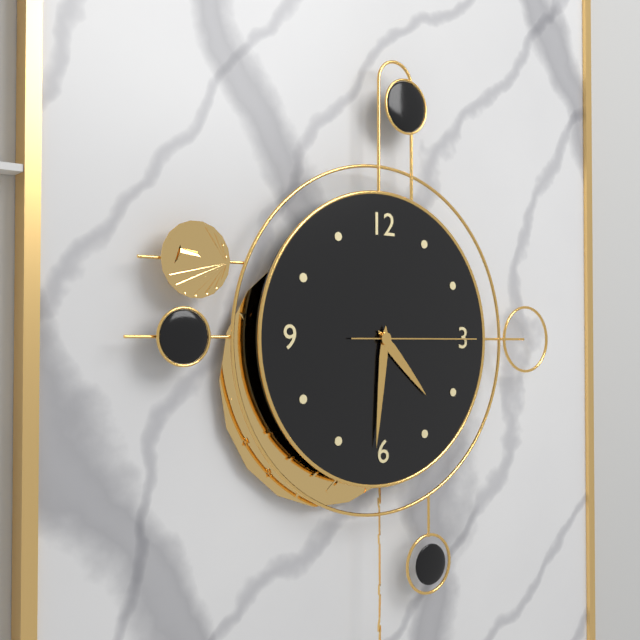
4:31:15
